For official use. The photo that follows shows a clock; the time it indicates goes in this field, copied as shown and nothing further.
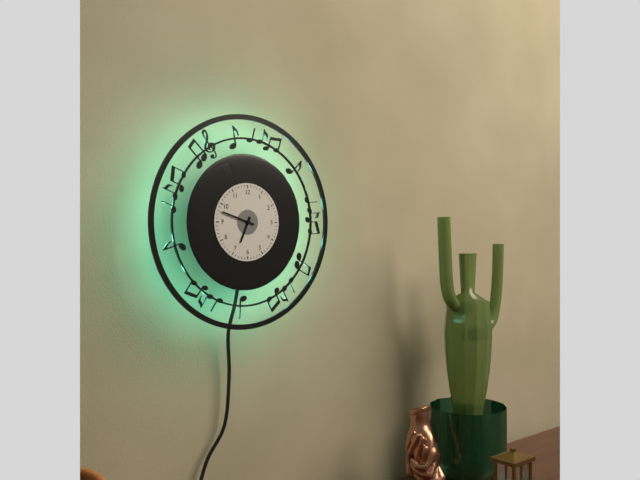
6:48
